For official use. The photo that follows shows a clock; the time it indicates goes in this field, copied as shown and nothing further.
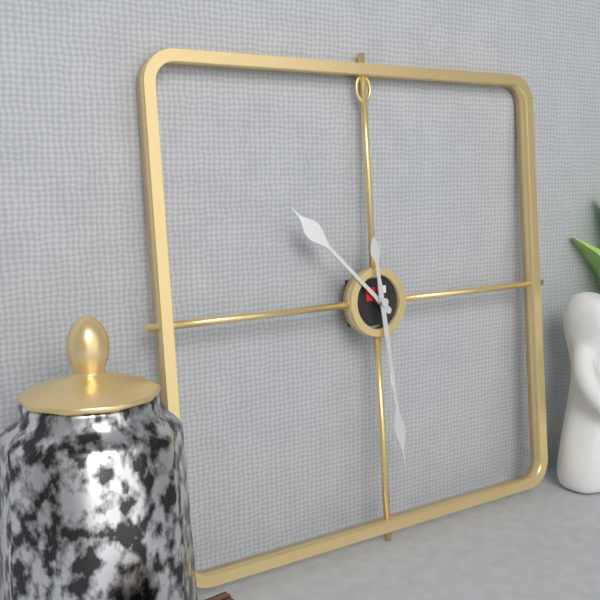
10:29
